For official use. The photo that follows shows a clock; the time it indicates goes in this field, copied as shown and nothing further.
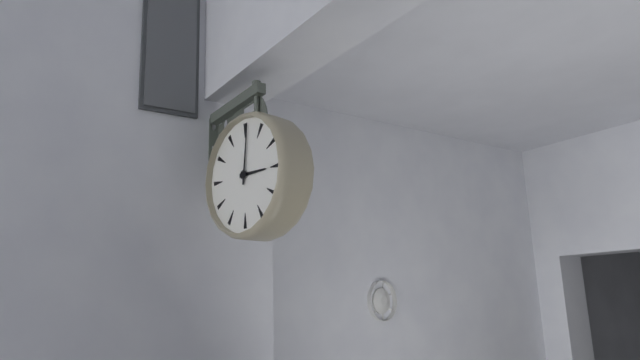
3:01
